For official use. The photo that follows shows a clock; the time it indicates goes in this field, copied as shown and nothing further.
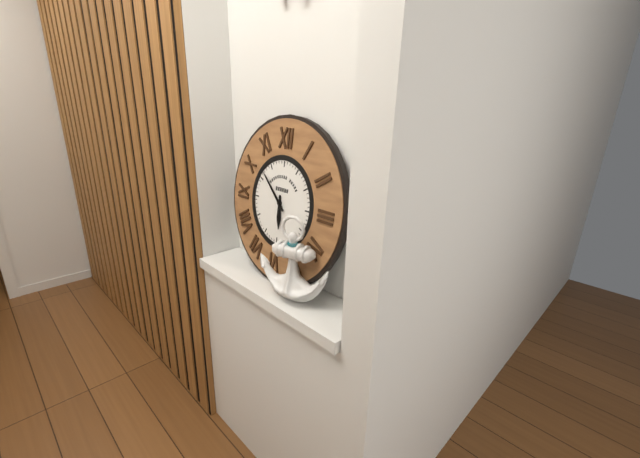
5:52
